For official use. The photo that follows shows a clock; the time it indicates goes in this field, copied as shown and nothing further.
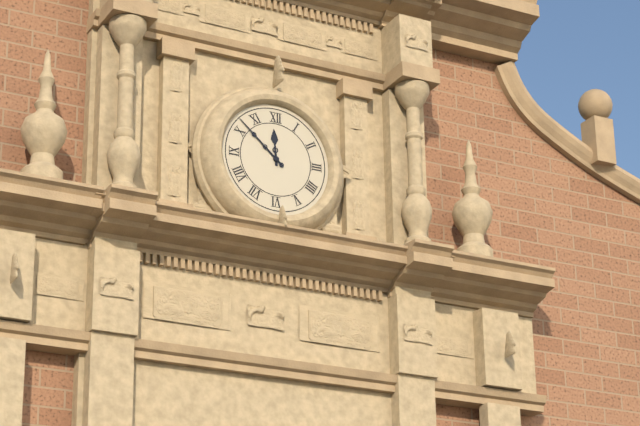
11:52
